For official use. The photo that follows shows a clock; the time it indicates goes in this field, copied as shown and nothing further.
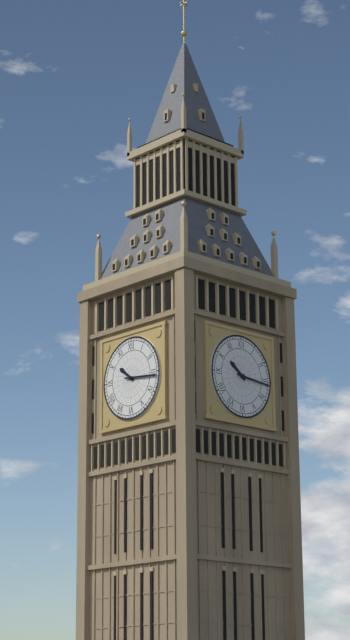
10:16
